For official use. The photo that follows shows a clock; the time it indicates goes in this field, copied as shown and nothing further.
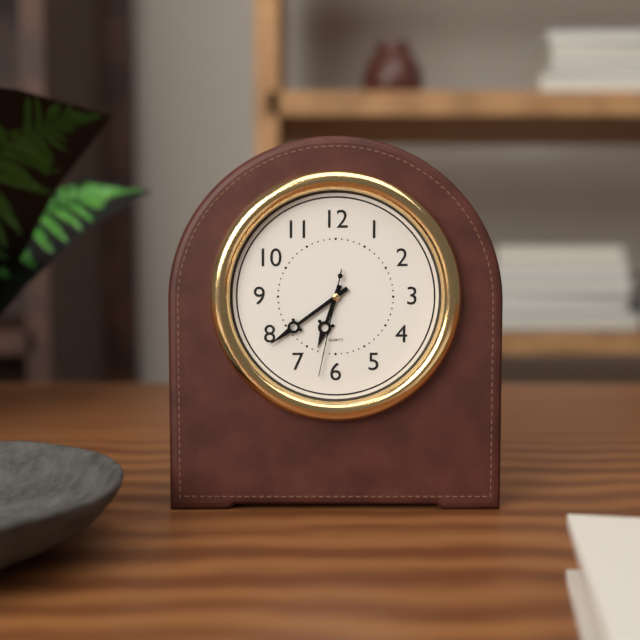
6:39:32
